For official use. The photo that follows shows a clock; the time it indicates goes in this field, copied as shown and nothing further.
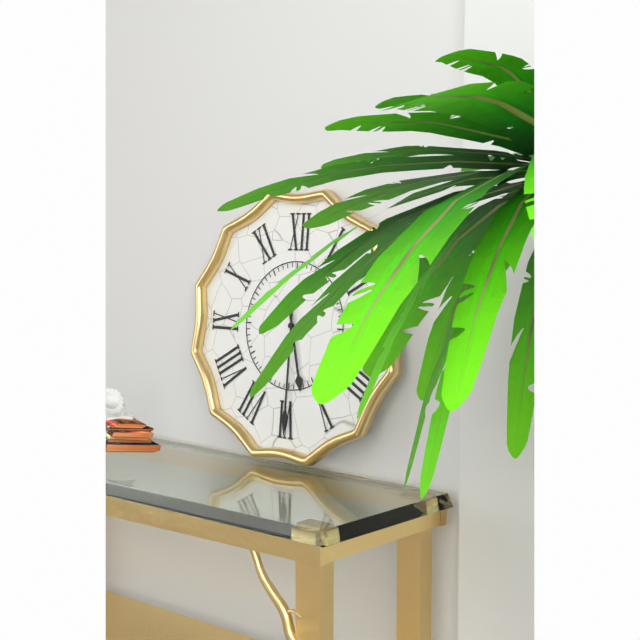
5:30
